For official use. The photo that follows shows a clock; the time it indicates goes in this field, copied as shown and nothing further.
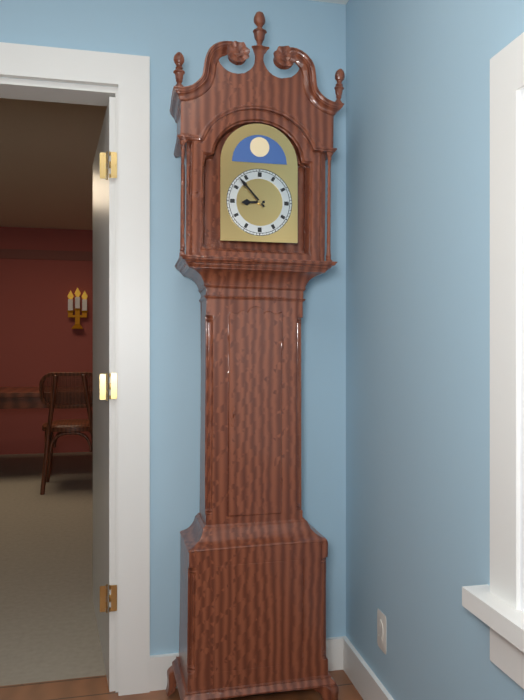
8:53
